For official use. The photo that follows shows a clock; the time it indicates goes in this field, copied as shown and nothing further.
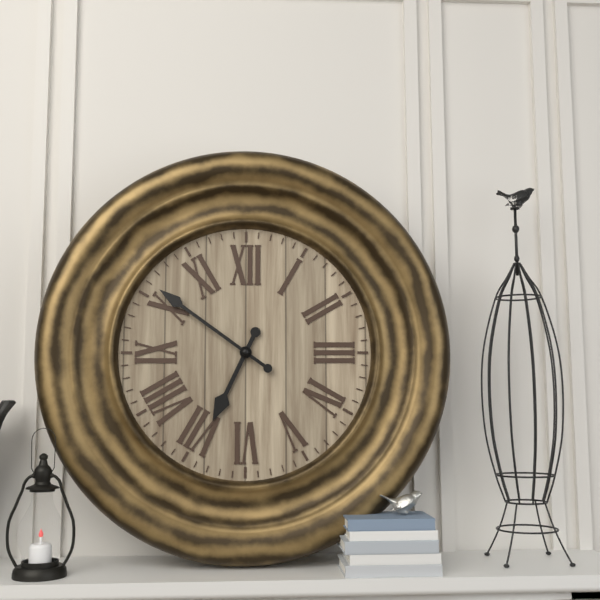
6:51
